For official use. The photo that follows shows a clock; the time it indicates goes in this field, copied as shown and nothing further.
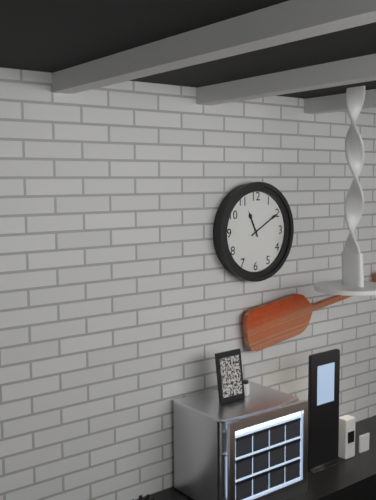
11:10
